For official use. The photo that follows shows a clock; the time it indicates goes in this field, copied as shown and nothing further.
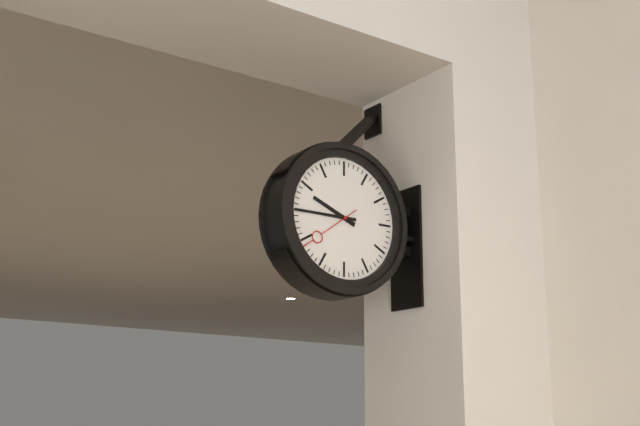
9:45:39
